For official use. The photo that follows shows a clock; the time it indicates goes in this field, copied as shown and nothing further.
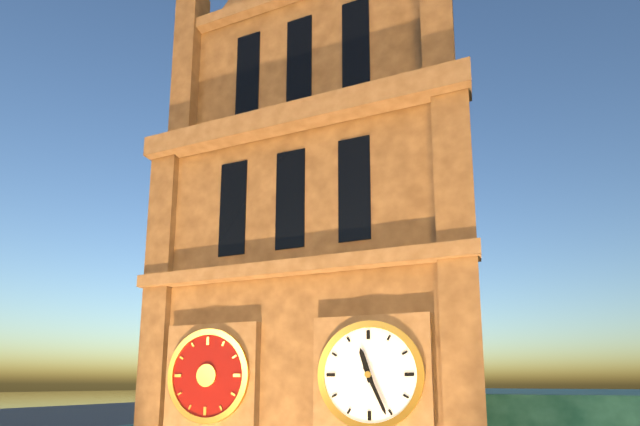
11:26
